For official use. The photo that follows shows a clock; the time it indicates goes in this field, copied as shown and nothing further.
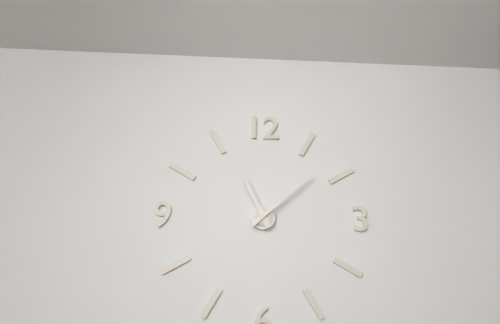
11:08
